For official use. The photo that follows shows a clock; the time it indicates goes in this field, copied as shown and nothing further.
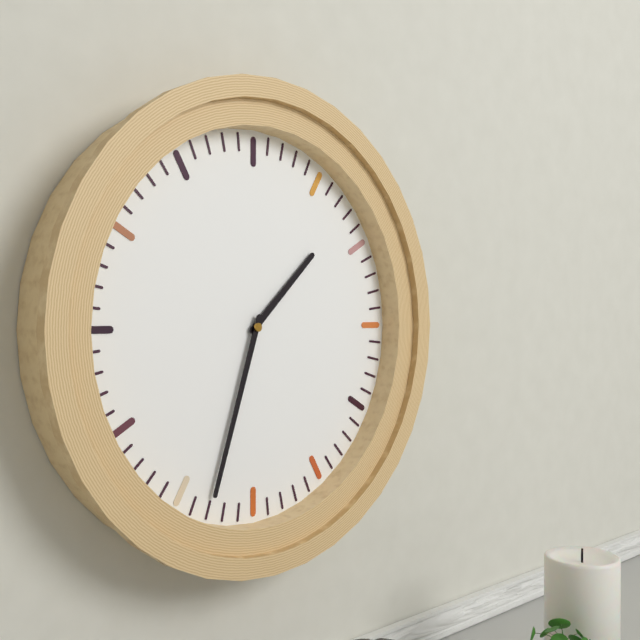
1:33
